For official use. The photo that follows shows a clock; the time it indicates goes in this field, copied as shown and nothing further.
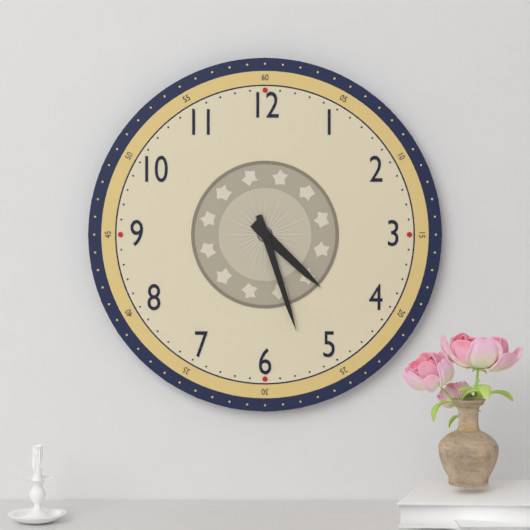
4:27
